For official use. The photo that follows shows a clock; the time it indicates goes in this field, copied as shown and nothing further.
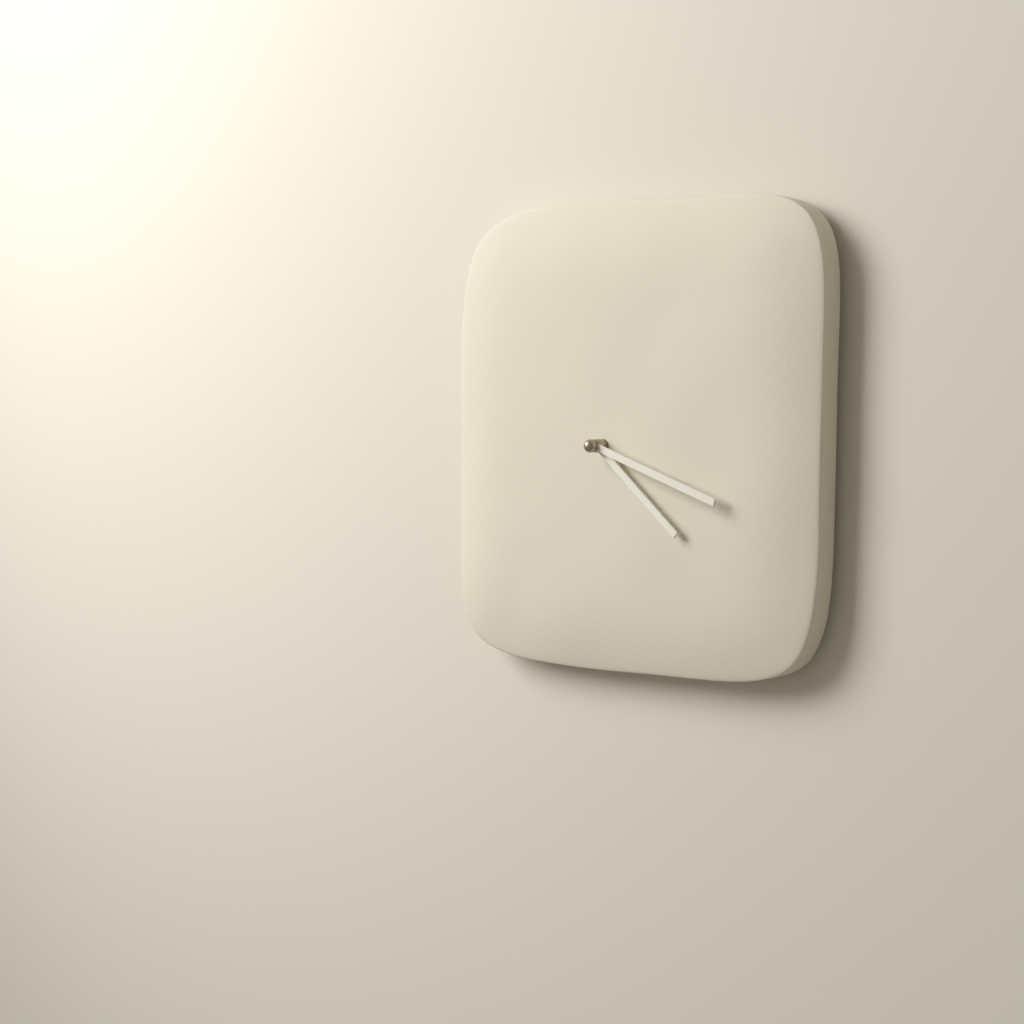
4:18
